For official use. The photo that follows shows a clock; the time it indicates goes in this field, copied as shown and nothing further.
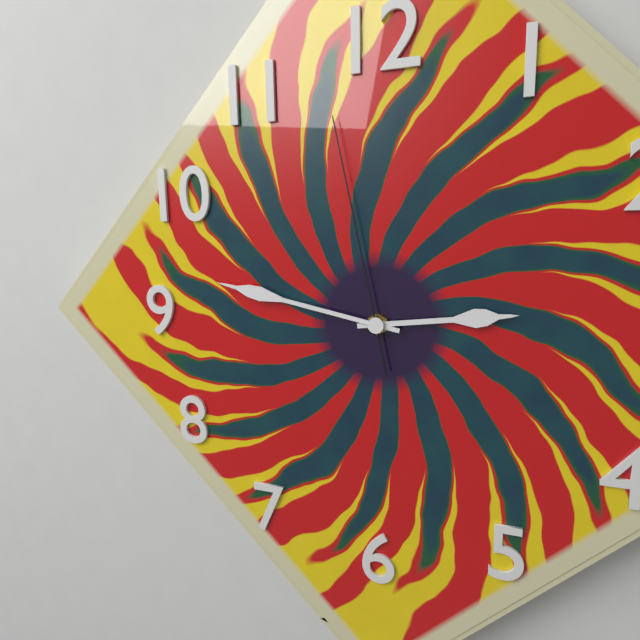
2:47:58
